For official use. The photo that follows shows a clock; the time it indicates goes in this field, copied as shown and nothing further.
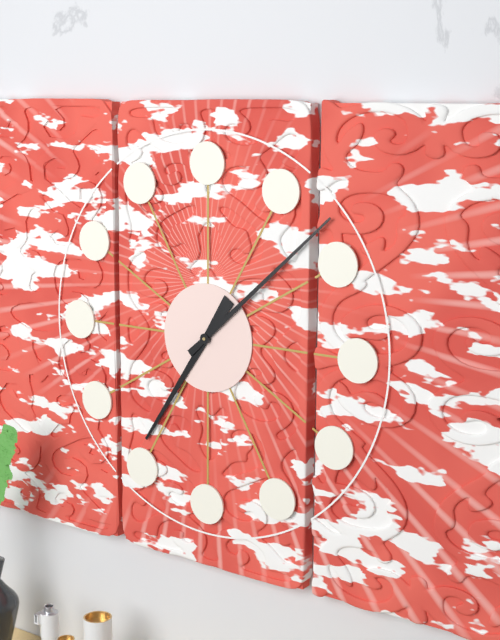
7:08
